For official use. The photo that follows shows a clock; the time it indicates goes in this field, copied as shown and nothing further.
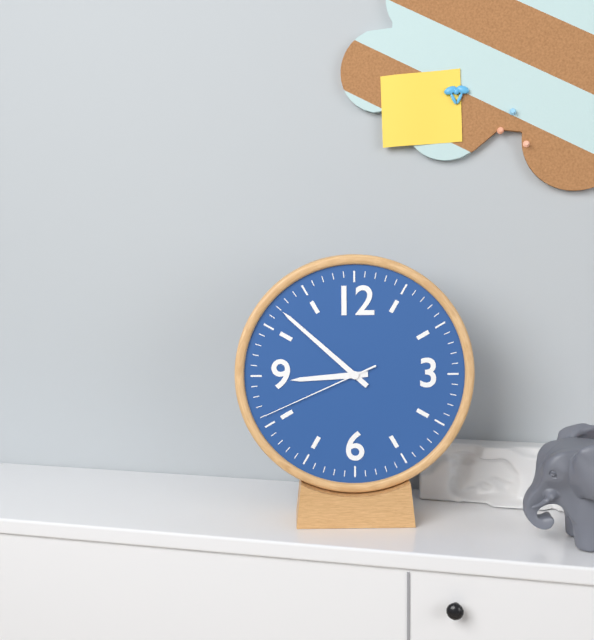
8:52:41
